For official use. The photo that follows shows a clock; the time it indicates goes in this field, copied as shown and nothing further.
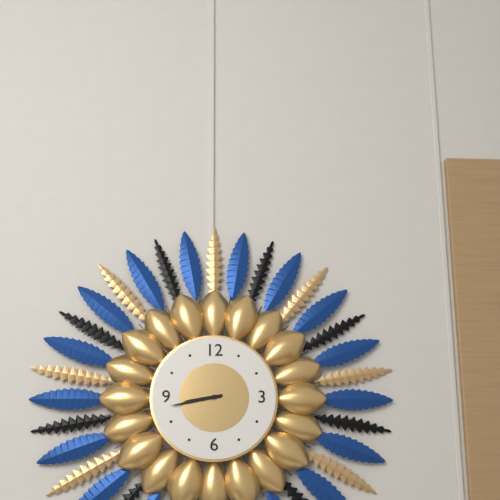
8:43
